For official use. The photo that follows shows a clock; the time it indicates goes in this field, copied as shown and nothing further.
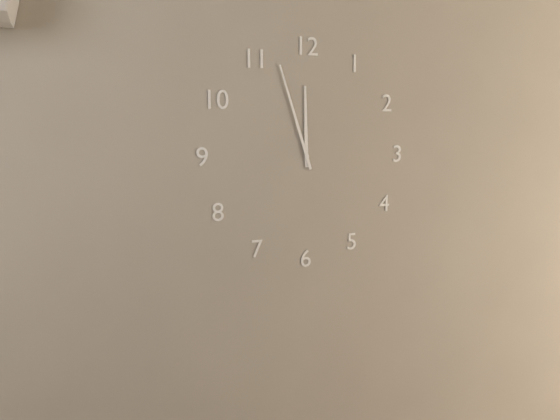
11:57
